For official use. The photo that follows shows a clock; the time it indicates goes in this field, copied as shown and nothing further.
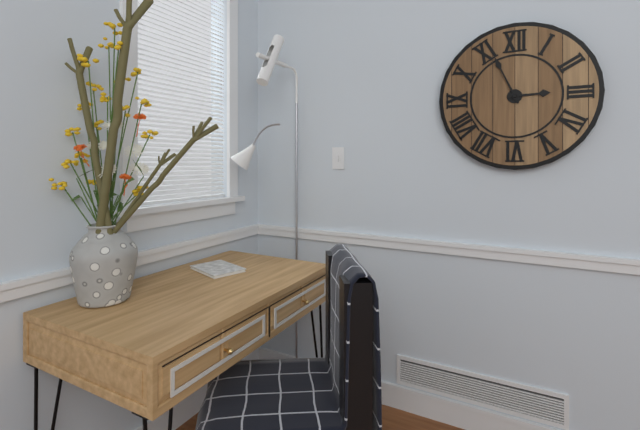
2:56
